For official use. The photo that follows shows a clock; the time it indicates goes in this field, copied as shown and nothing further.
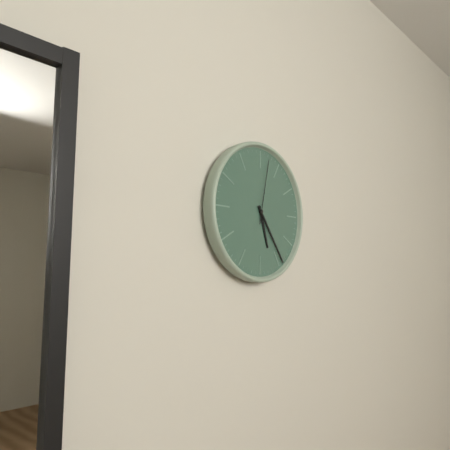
5:24:02
